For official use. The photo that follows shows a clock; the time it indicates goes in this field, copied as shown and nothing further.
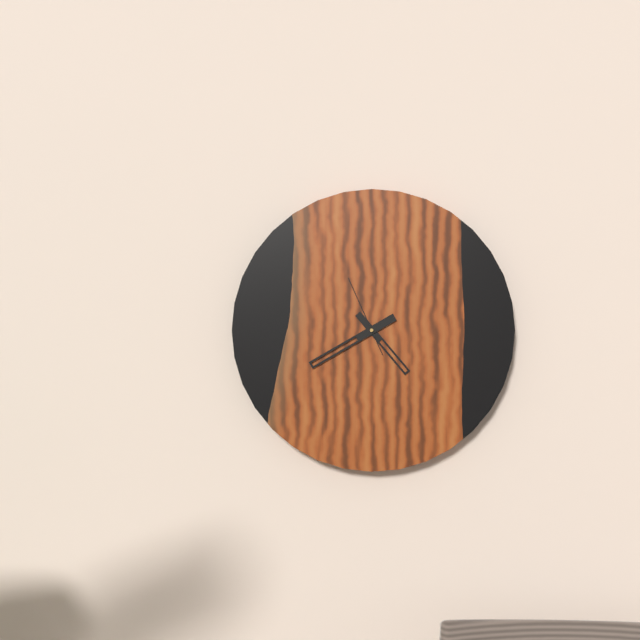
4:40:56
